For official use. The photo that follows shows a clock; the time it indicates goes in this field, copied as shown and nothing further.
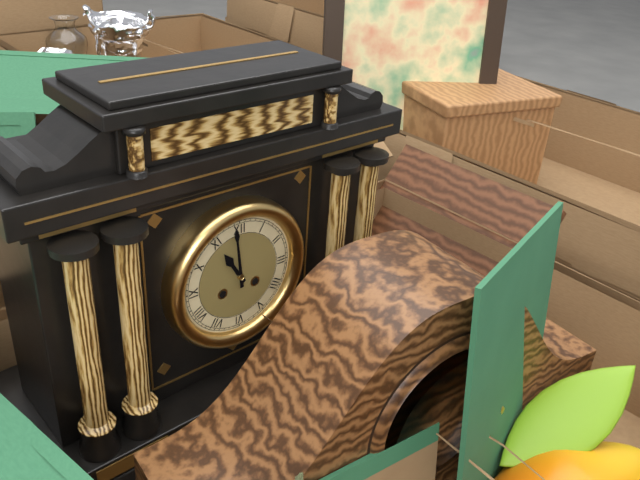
10:59
